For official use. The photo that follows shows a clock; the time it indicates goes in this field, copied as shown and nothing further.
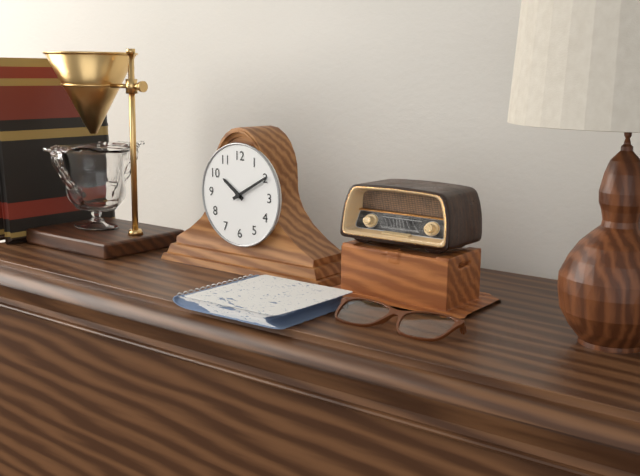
10:10
